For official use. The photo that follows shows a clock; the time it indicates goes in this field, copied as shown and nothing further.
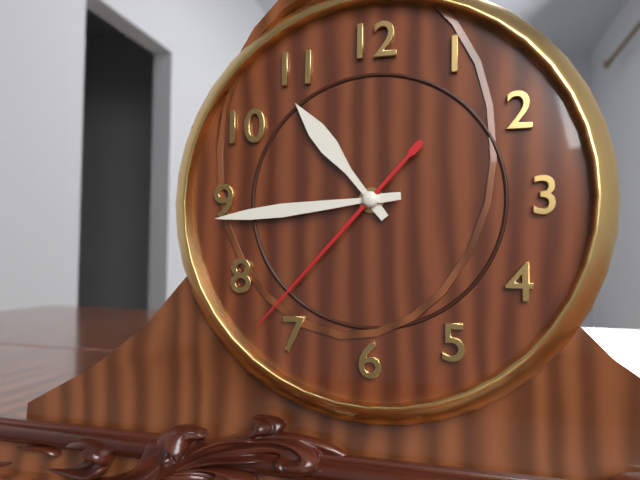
10:44:37
